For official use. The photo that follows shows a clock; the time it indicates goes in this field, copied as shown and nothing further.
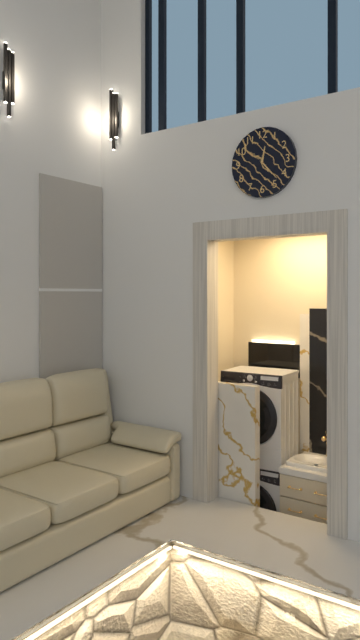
12:23
